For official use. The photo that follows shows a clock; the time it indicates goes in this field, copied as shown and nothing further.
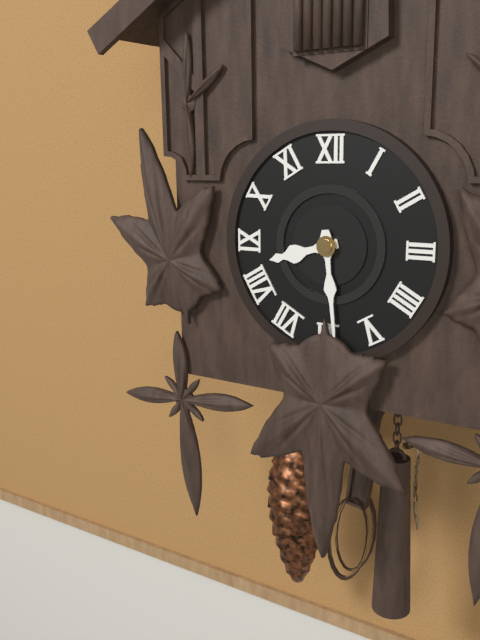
8:29
